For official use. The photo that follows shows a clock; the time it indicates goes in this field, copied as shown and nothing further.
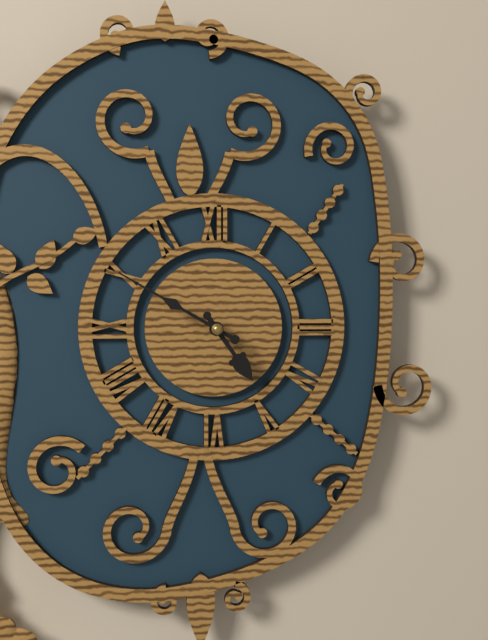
4:50
